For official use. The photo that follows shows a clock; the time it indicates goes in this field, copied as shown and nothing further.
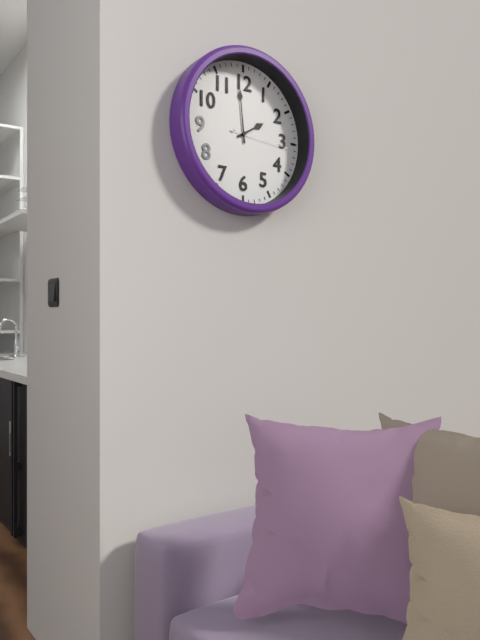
1:59:16
